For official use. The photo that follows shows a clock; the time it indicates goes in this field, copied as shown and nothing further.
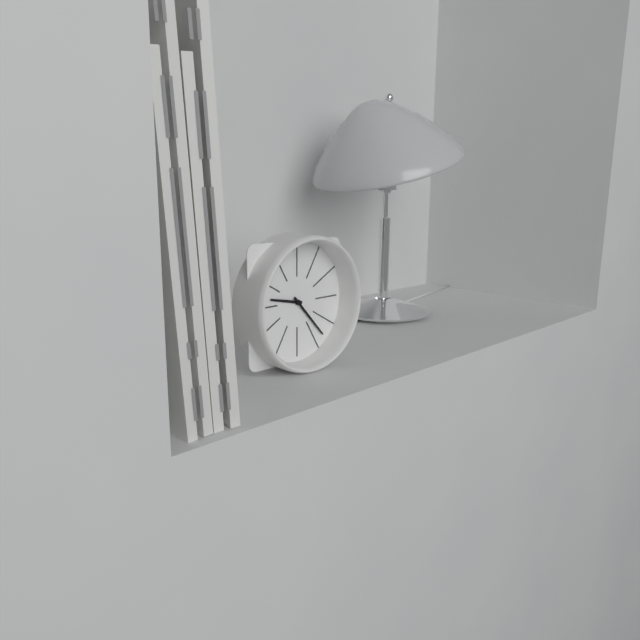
9:23
